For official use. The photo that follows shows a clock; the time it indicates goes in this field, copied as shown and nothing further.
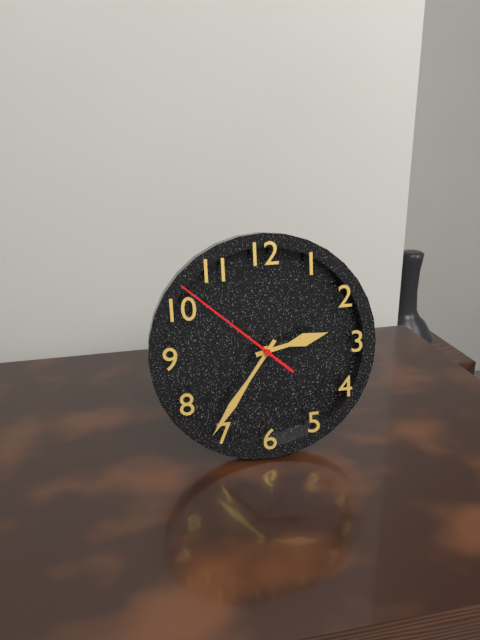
2:36:52
